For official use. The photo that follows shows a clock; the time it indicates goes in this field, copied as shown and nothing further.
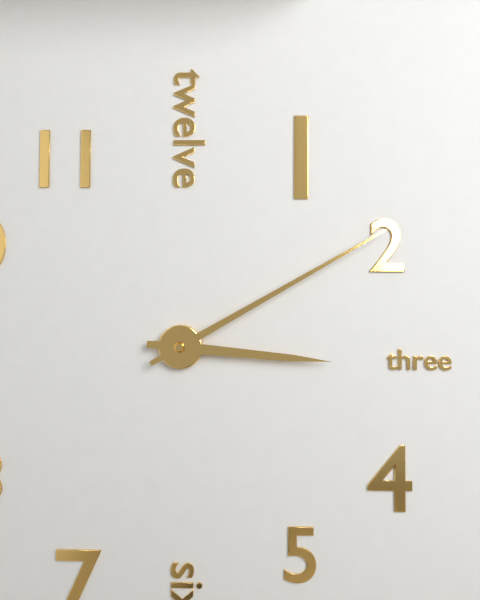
3:10
